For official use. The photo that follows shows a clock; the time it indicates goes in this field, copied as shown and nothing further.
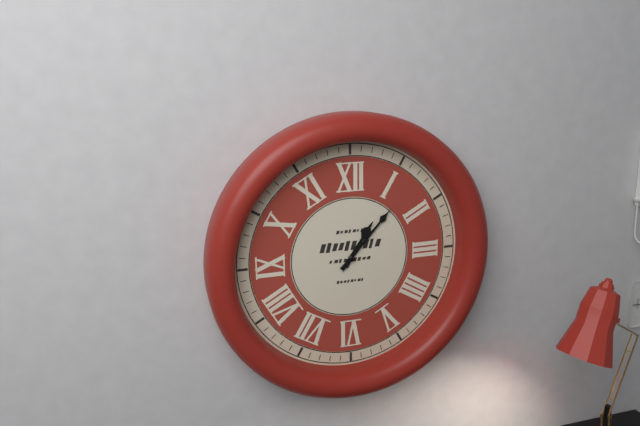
1:07
